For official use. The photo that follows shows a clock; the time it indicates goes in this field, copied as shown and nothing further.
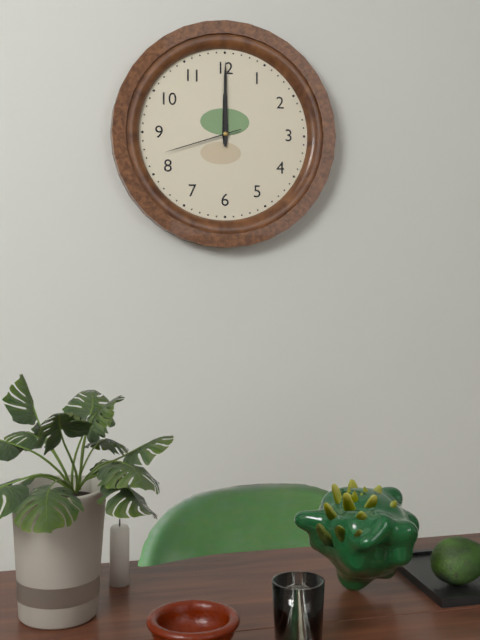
12:00:42
